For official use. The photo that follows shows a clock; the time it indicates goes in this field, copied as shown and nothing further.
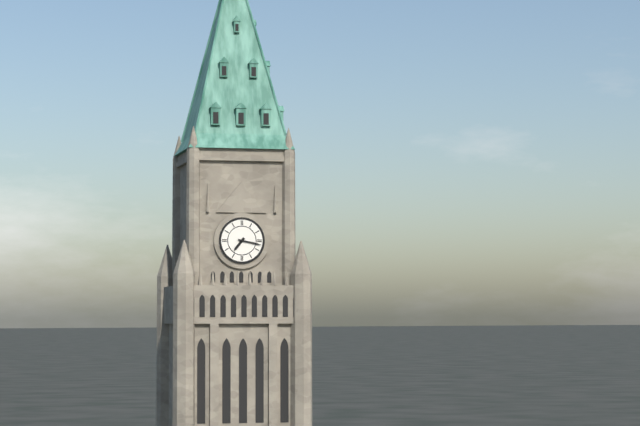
7:17
